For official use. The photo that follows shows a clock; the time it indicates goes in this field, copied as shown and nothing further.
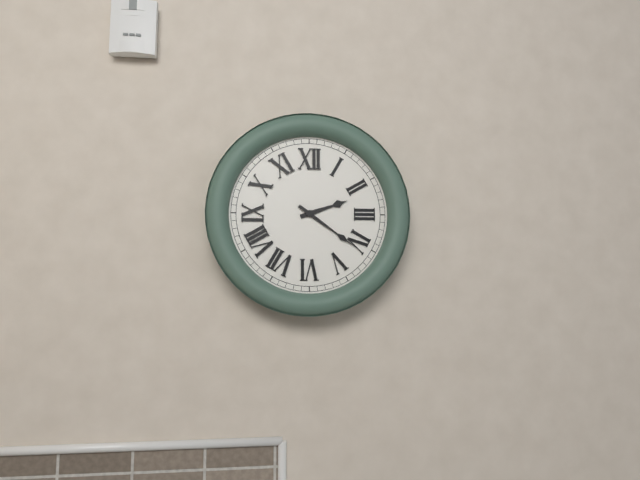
2:21
